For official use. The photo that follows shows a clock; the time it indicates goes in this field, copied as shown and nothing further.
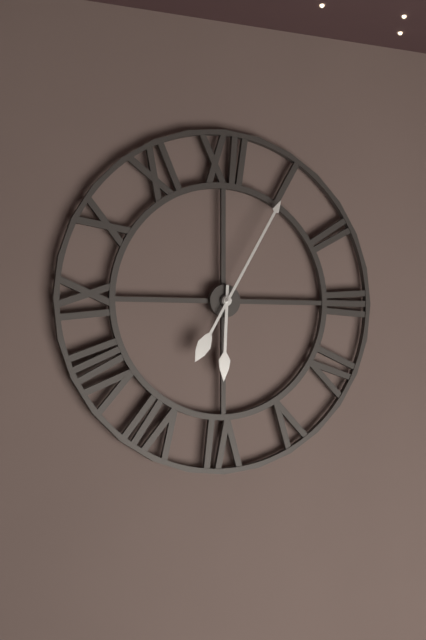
6:05
